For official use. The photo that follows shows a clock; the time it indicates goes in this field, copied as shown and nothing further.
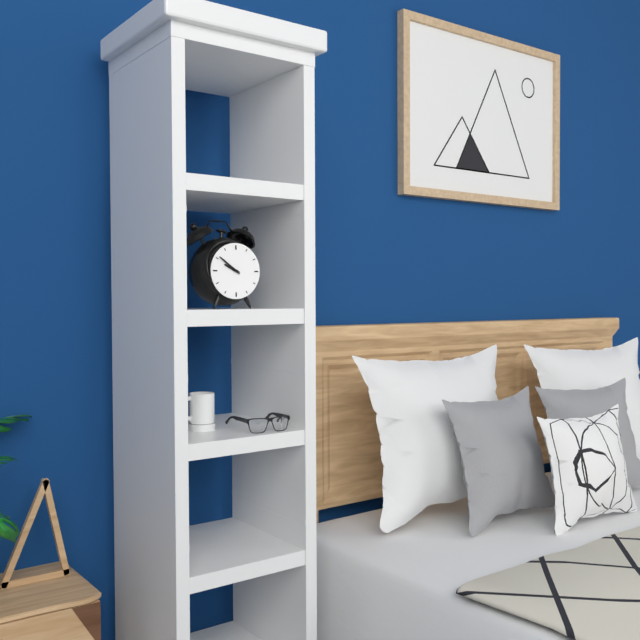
9:51
